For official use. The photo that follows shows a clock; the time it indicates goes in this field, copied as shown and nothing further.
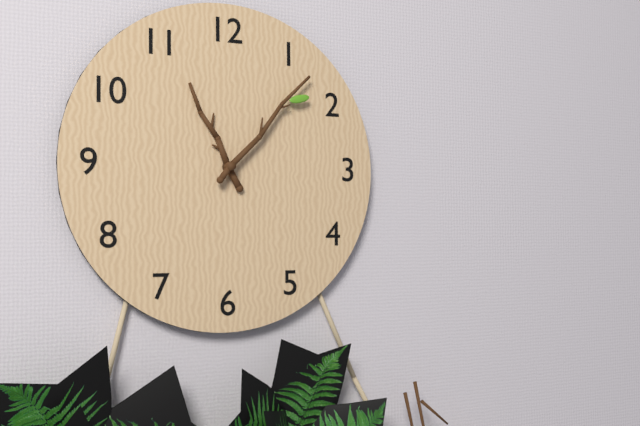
11:07
